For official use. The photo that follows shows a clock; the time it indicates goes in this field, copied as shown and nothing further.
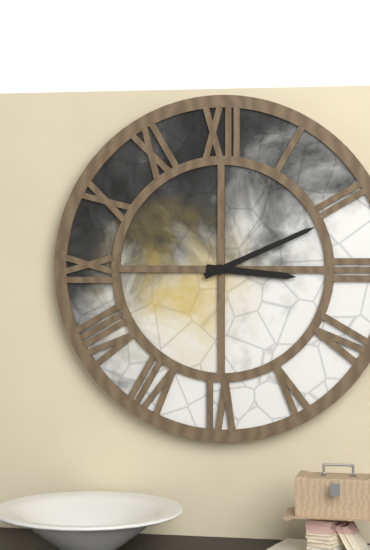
3:11
